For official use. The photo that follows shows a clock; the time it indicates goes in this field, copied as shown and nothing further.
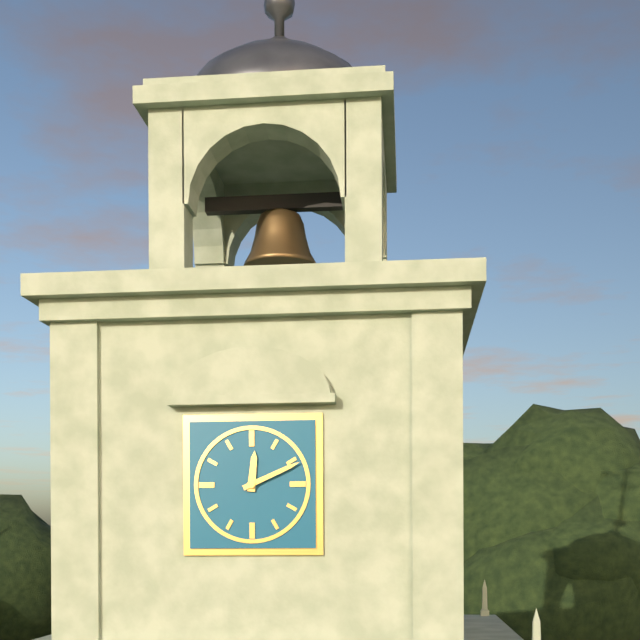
12:11
